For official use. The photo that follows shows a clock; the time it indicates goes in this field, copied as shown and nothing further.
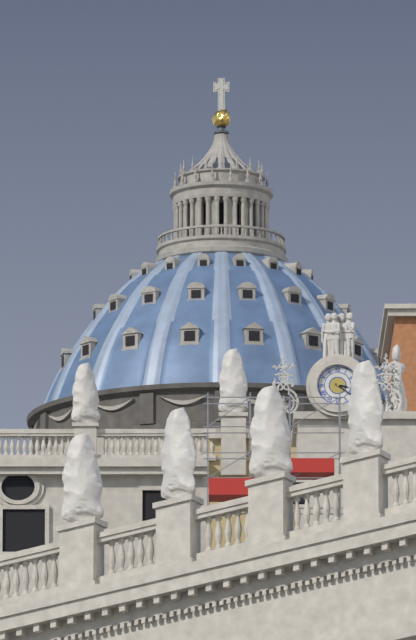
3:21
